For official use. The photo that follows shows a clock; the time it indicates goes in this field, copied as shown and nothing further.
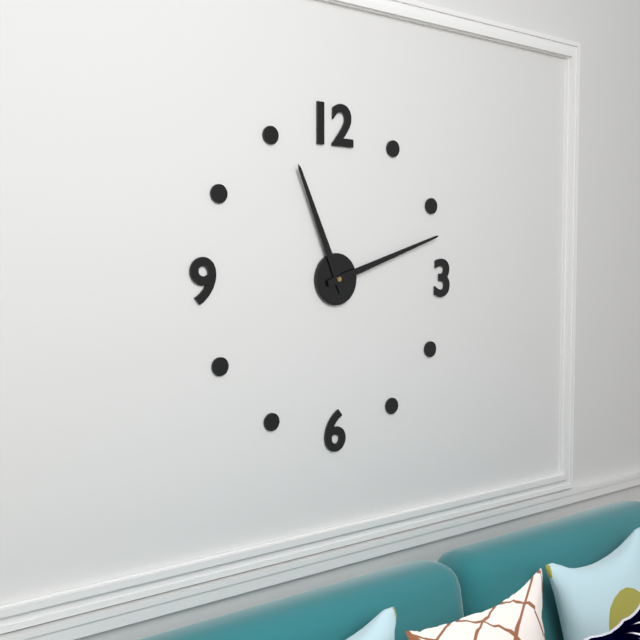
11:12
